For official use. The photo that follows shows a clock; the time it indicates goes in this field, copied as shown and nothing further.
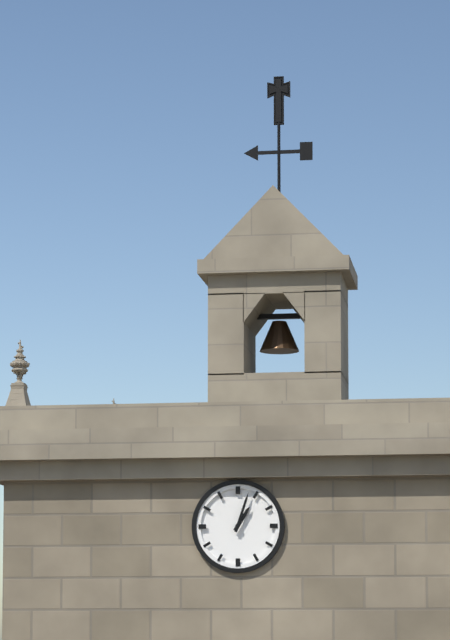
1:03
